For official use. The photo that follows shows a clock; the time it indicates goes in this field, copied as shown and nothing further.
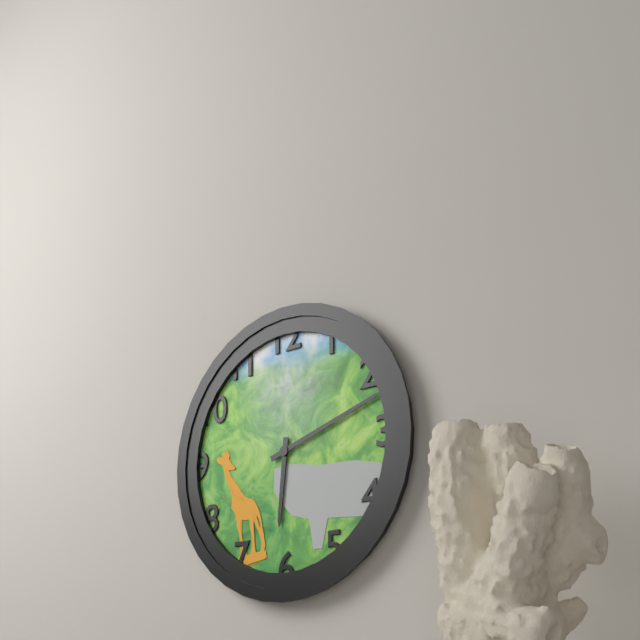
6:12
